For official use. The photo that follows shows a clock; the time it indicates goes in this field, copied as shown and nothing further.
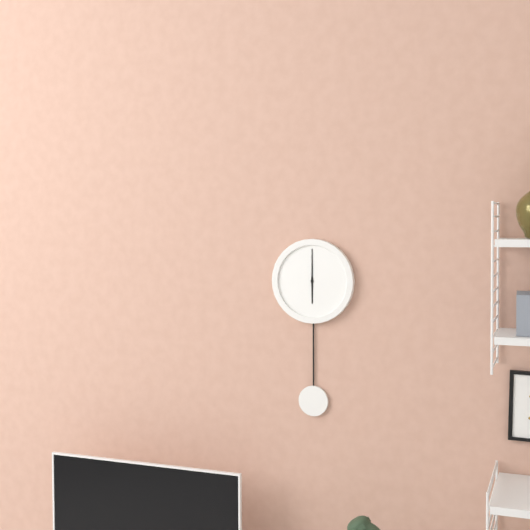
6:00
